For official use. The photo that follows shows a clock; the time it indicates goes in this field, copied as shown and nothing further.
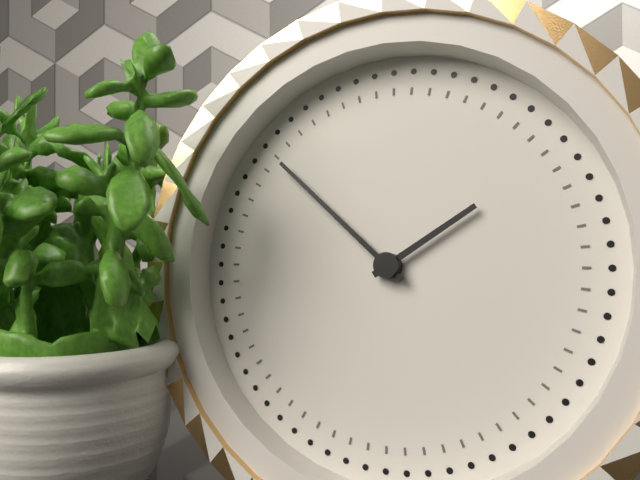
1:52
